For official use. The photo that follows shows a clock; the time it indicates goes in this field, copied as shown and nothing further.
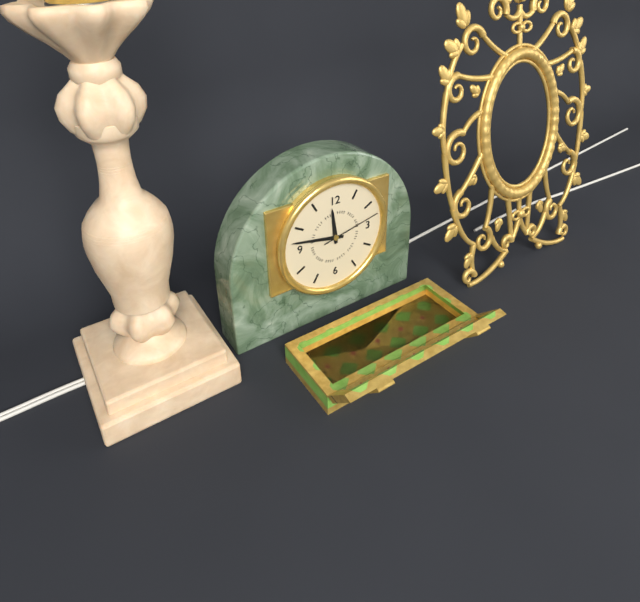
11:47:13
